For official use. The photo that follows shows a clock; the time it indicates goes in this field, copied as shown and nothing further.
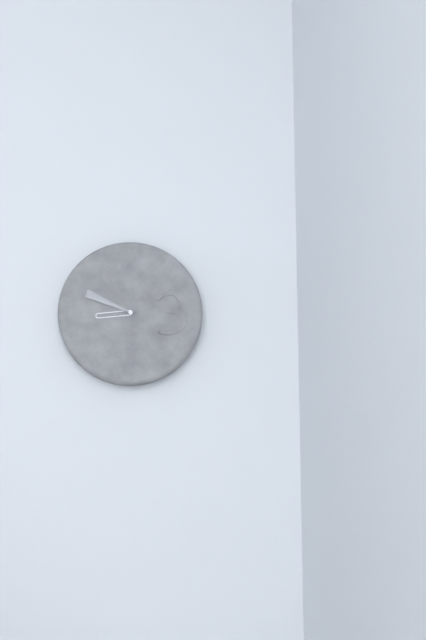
8:49
